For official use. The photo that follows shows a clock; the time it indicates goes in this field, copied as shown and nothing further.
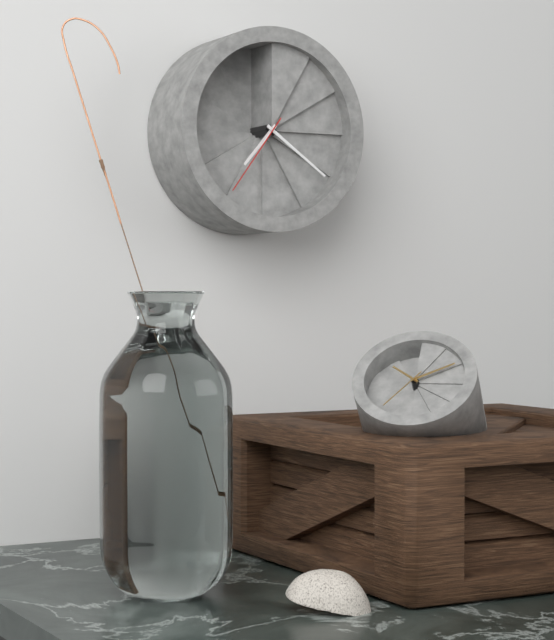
7:21:36
